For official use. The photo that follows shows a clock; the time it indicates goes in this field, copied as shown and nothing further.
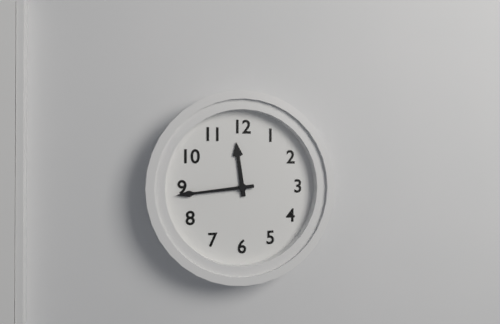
11:44
